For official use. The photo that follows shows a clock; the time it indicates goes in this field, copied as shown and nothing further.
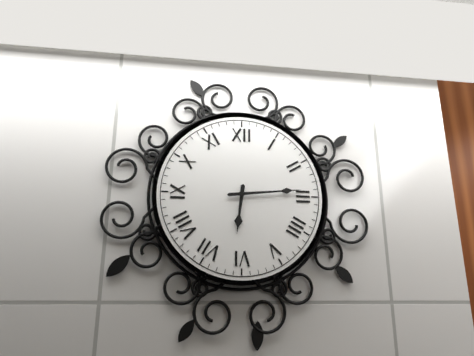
6:14
